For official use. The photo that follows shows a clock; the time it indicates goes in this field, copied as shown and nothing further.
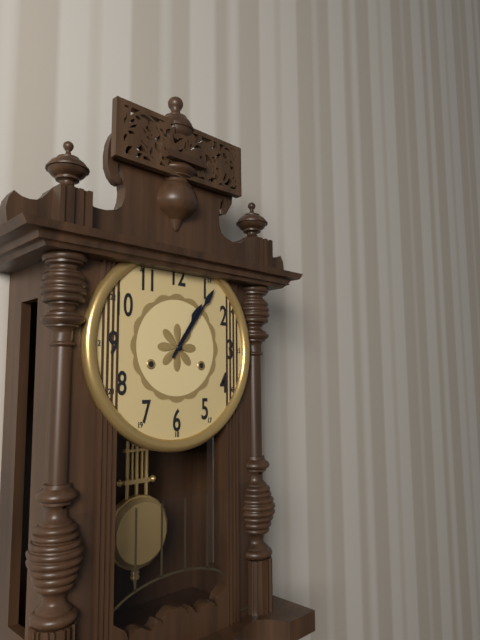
1:06
